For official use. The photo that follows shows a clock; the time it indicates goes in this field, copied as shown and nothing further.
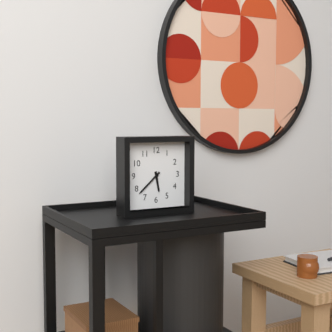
5:38
